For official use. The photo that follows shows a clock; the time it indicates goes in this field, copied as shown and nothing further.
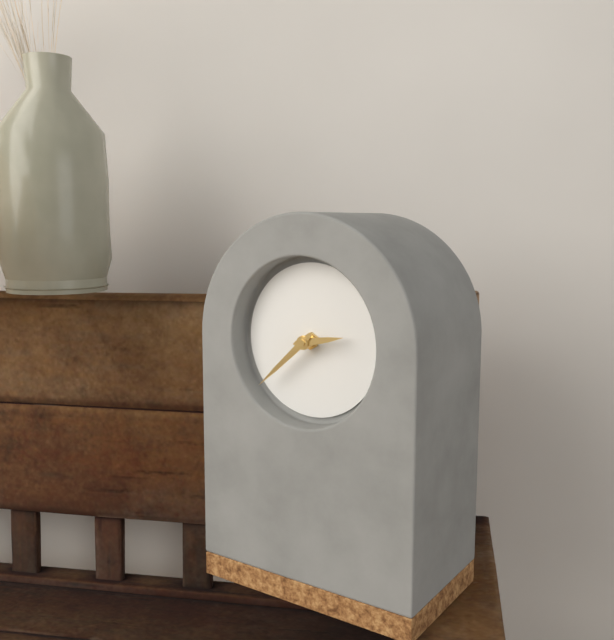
2:38
